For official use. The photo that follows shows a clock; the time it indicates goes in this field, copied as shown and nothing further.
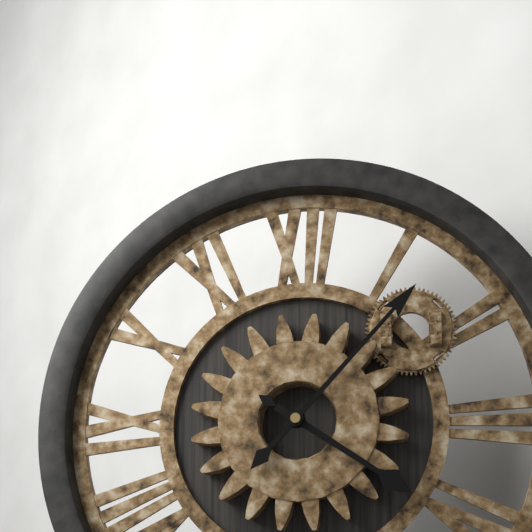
4:07
